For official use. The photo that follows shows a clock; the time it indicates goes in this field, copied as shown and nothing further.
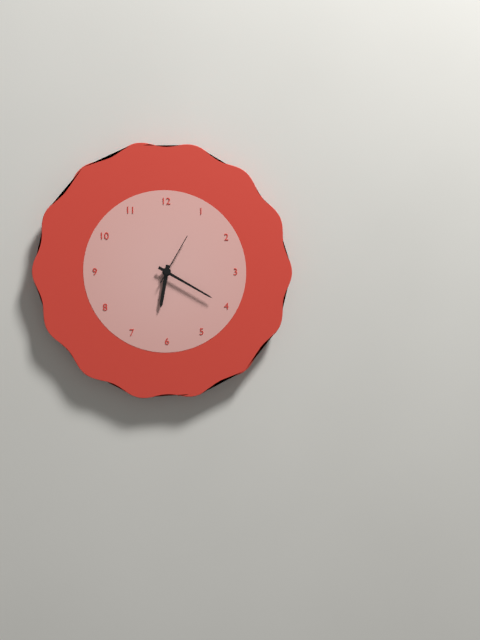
6:20:05
